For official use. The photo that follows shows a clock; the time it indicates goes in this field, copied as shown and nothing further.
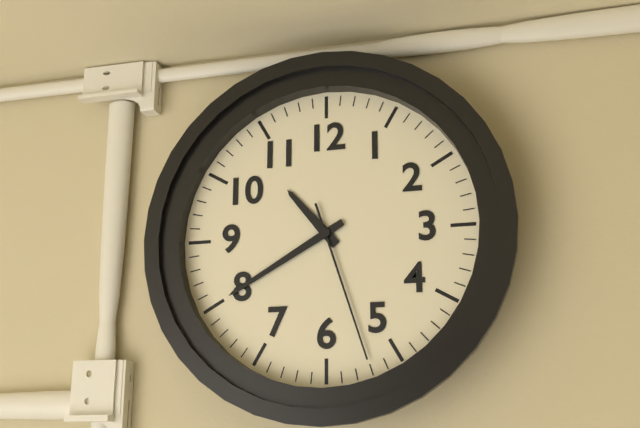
10:40:27
